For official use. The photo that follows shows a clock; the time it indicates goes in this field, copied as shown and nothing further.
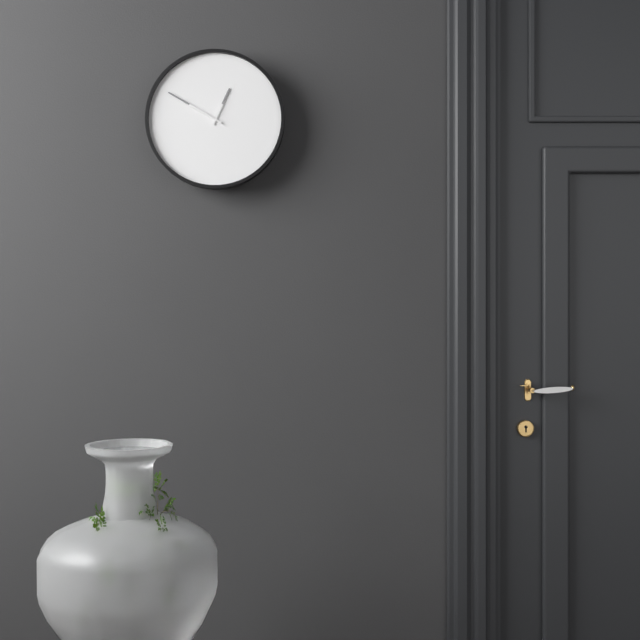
12:50
